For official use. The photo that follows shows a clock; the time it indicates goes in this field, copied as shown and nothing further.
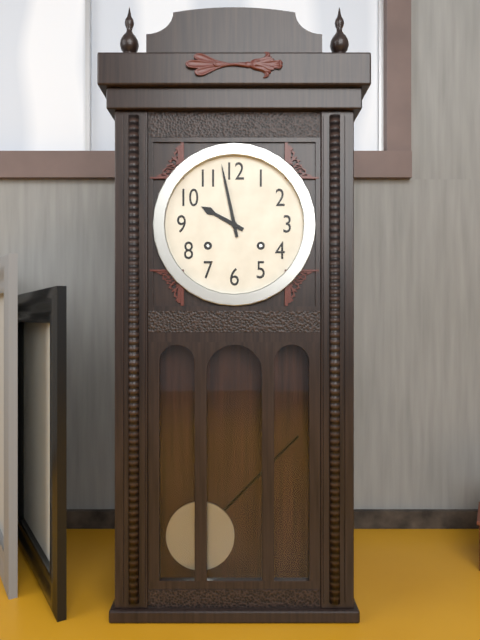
9:58
